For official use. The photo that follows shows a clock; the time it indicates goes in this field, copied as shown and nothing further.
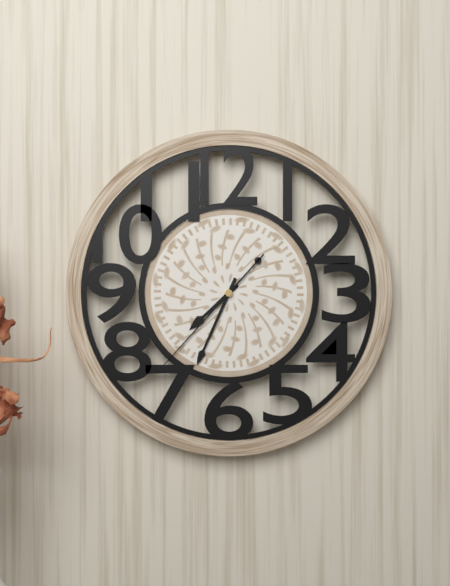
7:34:37
